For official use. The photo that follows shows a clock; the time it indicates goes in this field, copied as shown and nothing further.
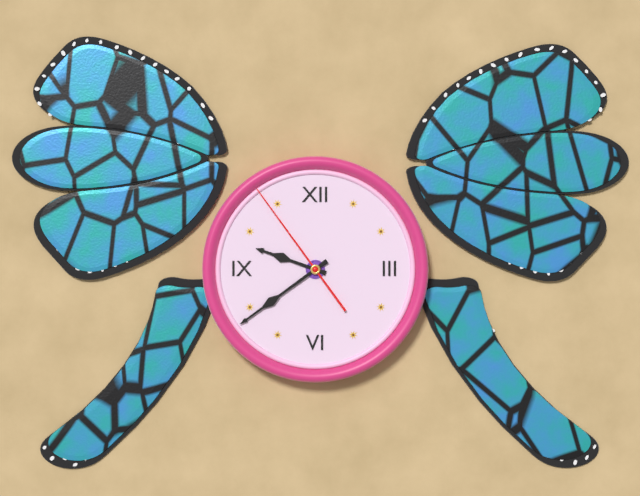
9:39:54
